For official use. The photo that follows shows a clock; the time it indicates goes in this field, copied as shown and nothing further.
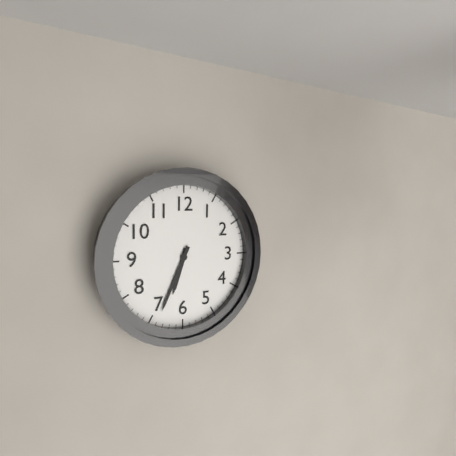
6:34
